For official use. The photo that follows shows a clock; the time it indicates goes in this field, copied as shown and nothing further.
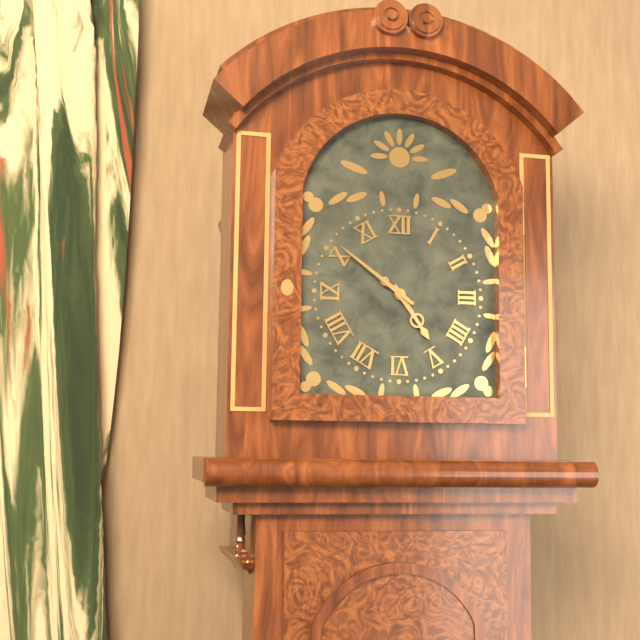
4:51
